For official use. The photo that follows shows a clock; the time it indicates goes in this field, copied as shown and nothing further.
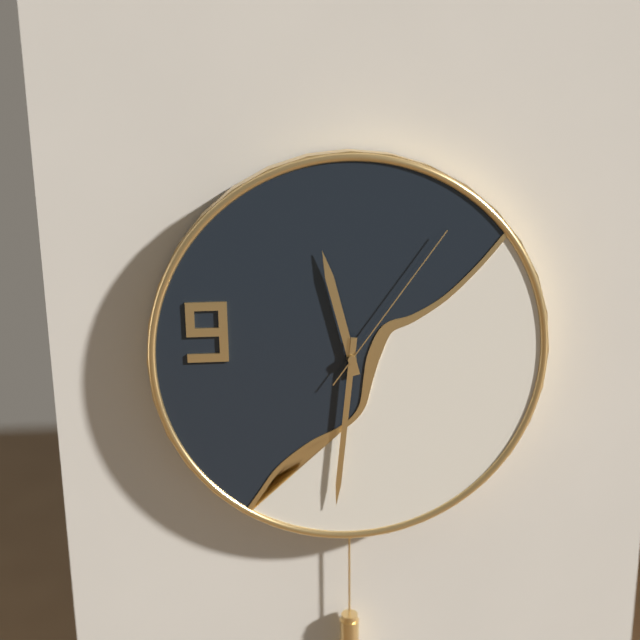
11:31:06
